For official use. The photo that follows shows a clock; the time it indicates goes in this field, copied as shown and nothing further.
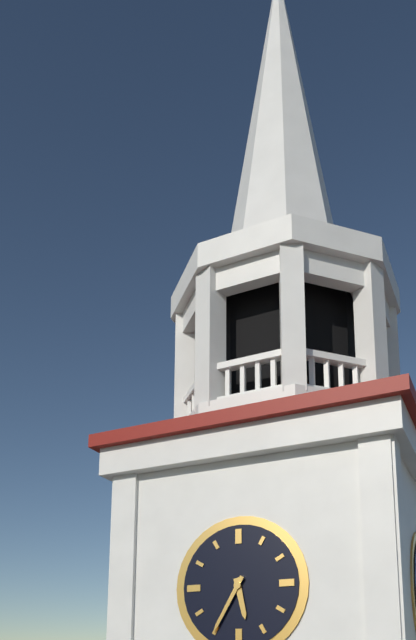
5:35
